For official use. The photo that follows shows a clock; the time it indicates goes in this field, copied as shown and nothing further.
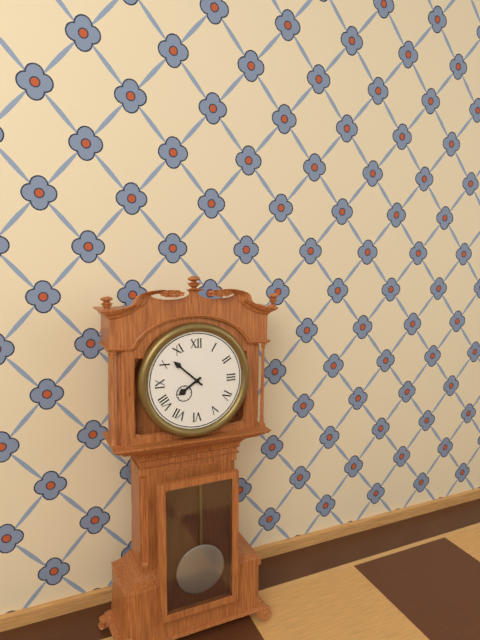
7:52
